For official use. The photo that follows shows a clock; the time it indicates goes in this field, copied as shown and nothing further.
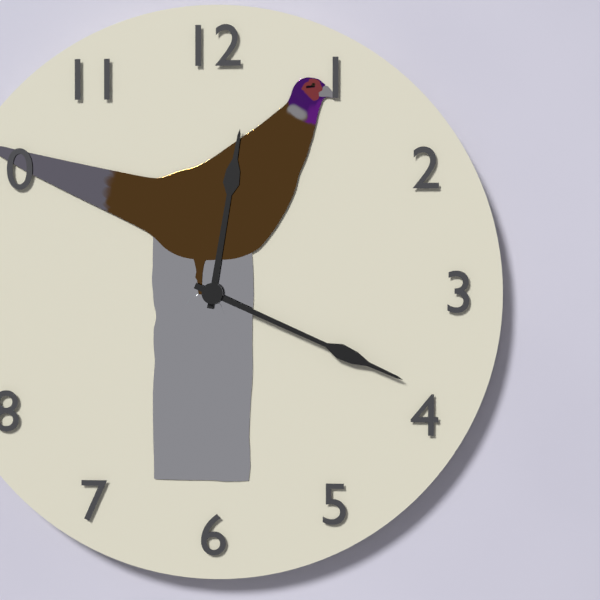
12:19
